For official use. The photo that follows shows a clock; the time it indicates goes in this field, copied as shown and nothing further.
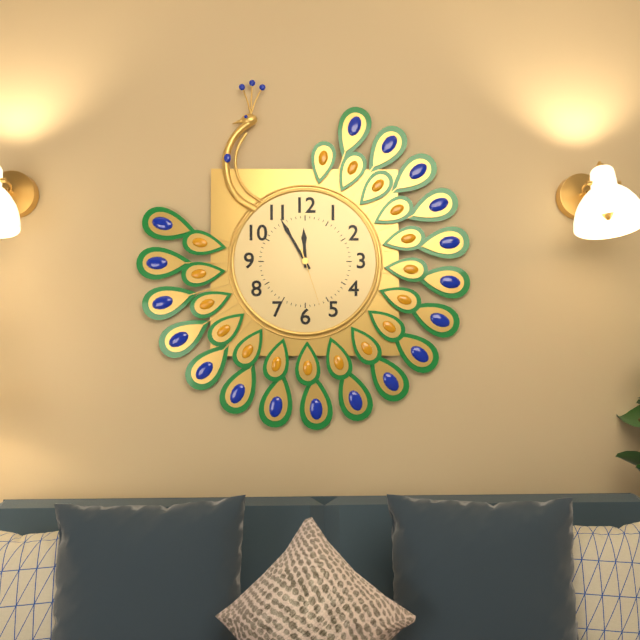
11:55:27
